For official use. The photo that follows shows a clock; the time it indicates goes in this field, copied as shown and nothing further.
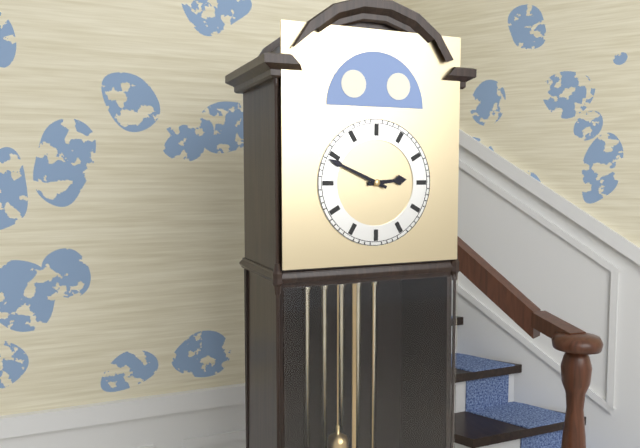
2:49
